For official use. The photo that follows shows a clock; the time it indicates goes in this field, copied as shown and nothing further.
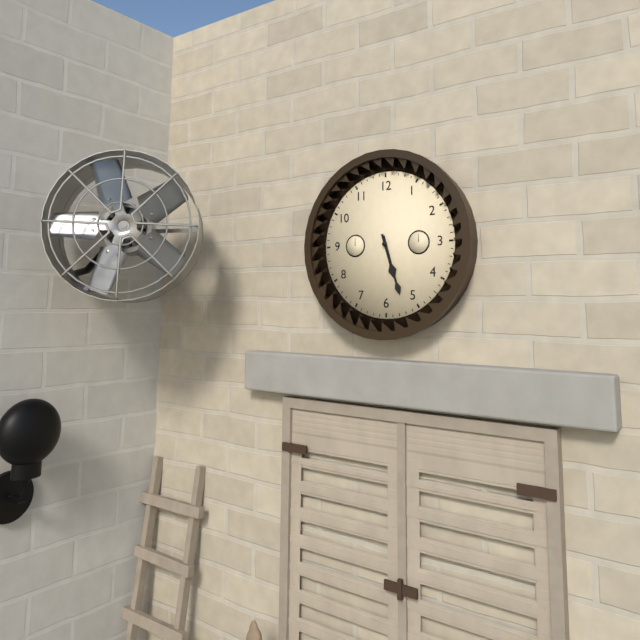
5:27
